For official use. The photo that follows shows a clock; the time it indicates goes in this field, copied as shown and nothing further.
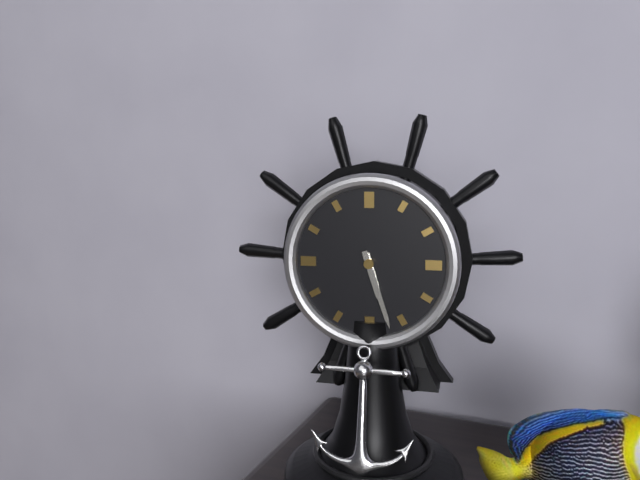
5:27
